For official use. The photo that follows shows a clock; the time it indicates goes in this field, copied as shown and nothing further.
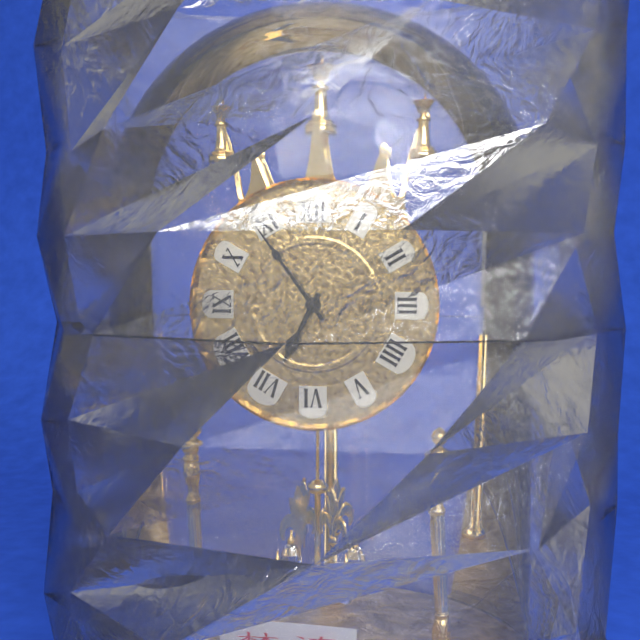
6:54
